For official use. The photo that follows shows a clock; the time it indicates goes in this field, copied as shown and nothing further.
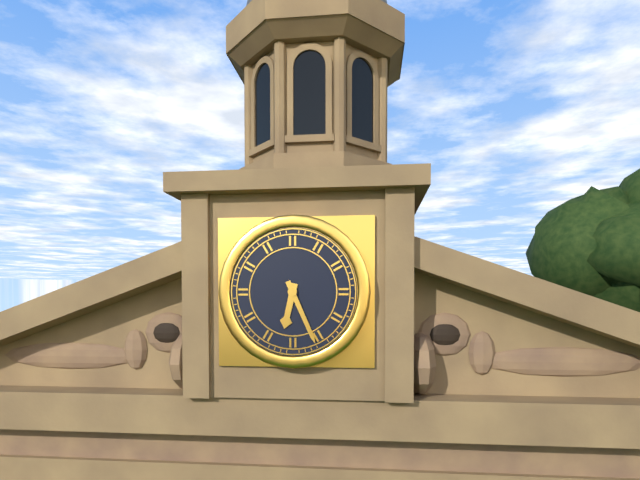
6:26
